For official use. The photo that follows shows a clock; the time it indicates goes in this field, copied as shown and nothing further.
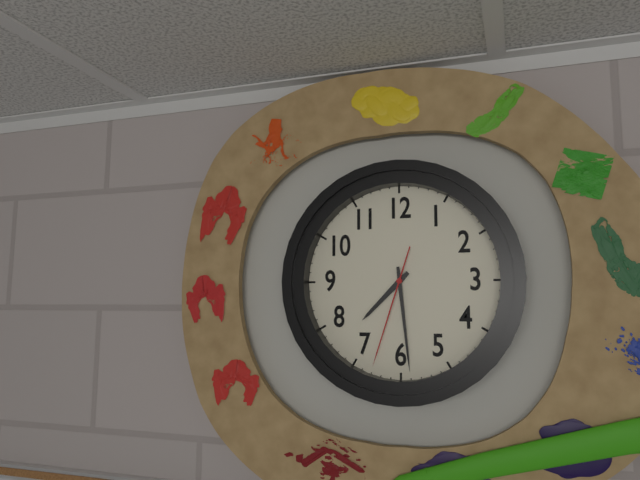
7:29:33
